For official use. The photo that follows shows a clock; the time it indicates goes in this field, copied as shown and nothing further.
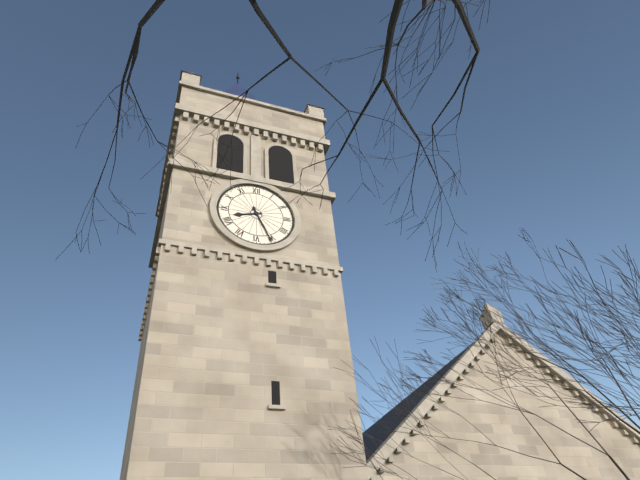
8:26
